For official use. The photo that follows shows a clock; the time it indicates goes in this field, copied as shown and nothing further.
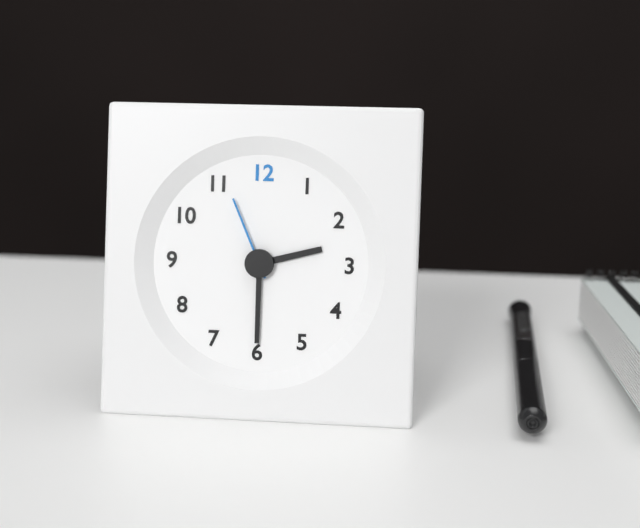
2:30:56
